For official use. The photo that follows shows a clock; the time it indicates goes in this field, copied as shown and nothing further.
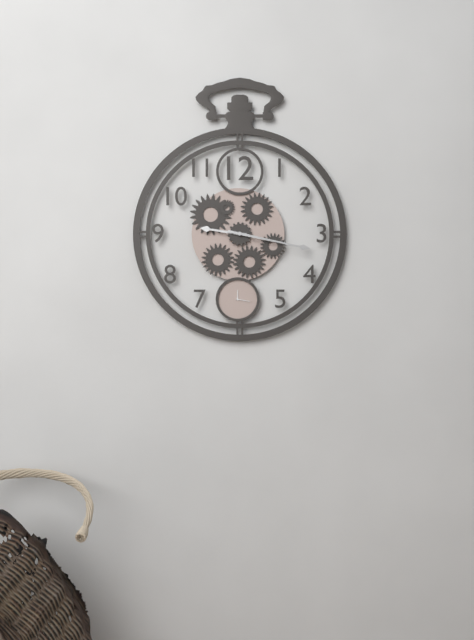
9:17
